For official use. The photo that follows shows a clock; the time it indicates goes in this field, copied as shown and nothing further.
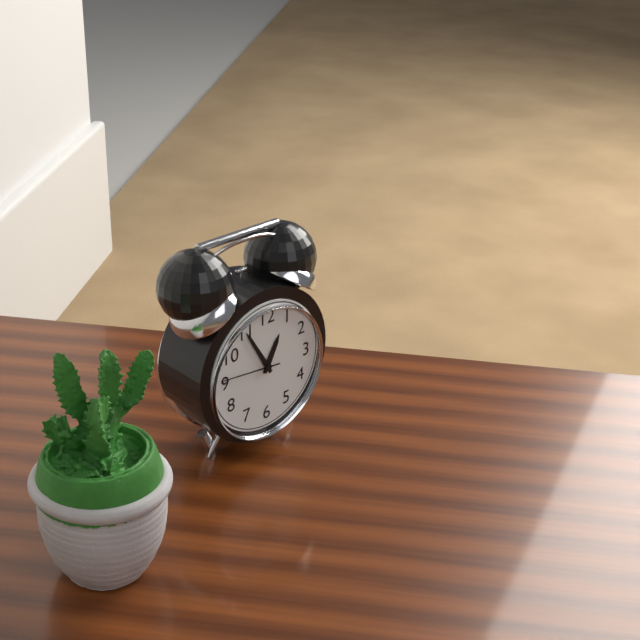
12:55:46
